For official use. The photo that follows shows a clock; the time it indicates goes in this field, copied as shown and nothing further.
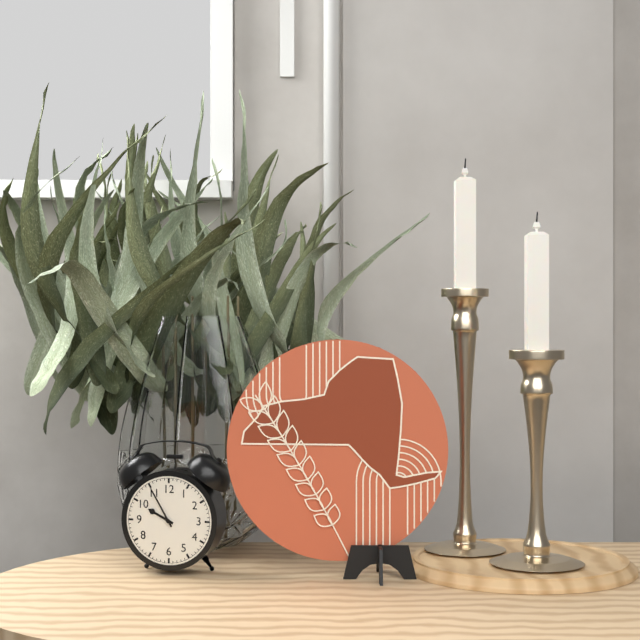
9:55
